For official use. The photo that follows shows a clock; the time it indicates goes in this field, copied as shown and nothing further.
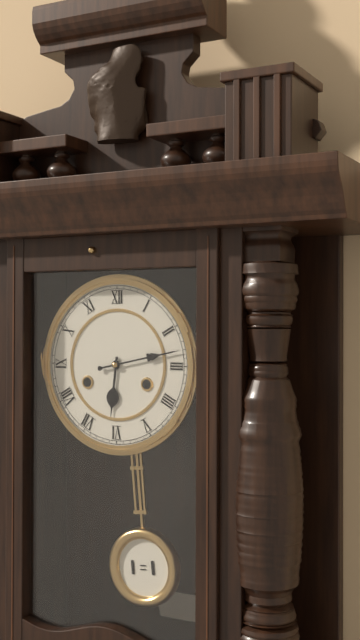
6:13
